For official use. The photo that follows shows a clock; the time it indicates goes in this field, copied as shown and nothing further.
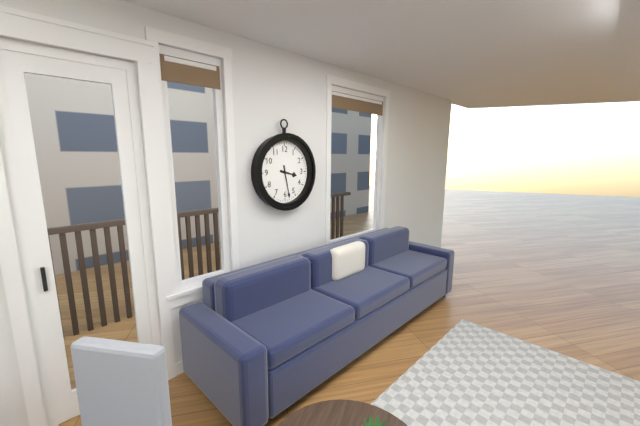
3:28
